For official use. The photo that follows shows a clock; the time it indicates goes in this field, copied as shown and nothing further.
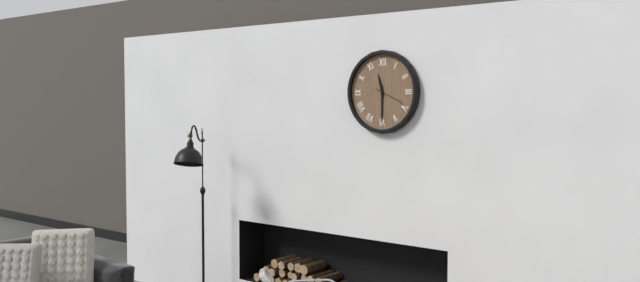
11:30
